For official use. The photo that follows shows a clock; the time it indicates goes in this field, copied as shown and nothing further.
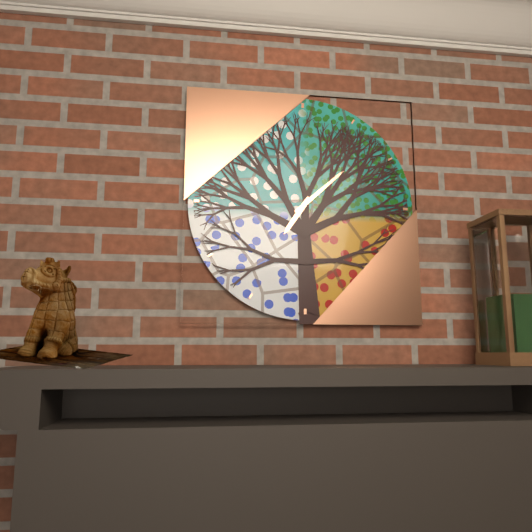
7:08
